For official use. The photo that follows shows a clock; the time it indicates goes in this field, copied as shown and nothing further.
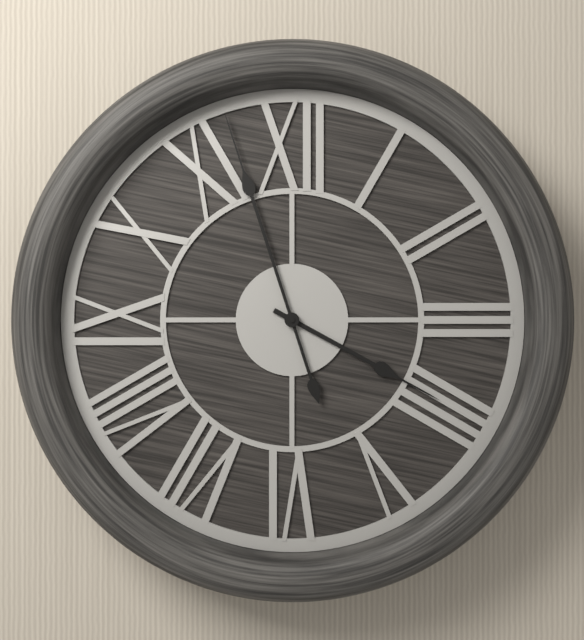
3:57
